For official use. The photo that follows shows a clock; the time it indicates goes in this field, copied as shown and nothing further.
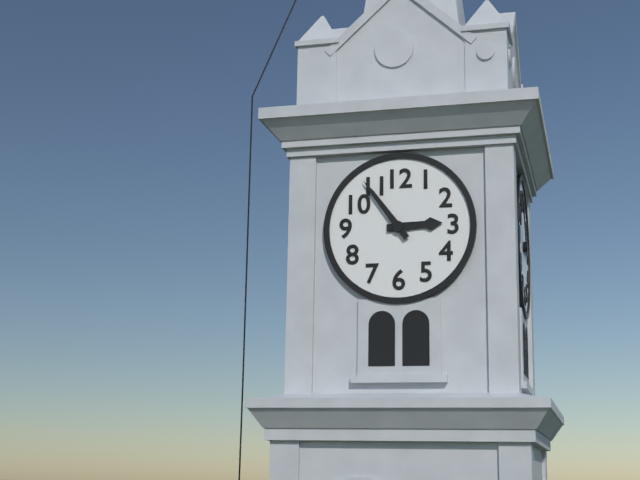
2:54
